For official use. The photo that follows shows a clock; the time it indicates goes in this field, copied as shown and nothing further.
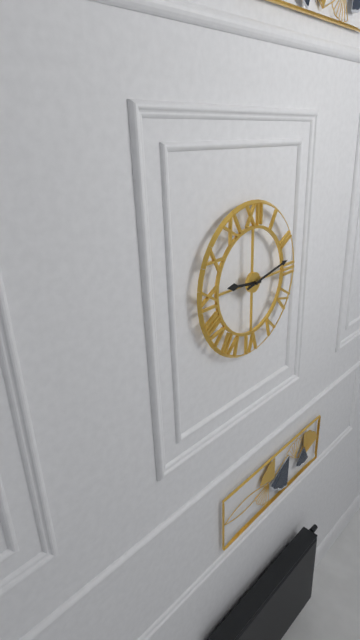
9:13
